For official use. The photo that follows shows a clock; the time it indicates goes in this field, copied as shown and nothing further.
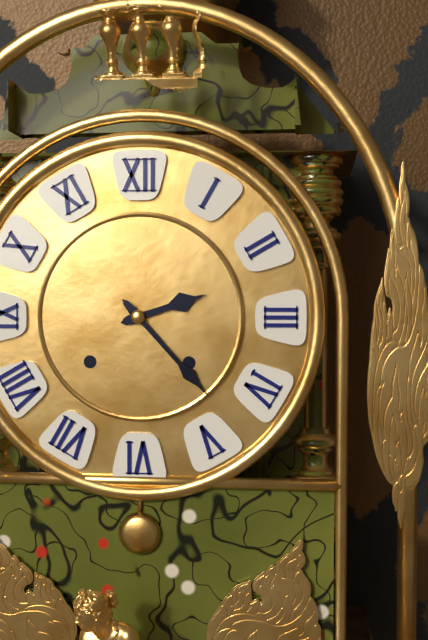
2:23
